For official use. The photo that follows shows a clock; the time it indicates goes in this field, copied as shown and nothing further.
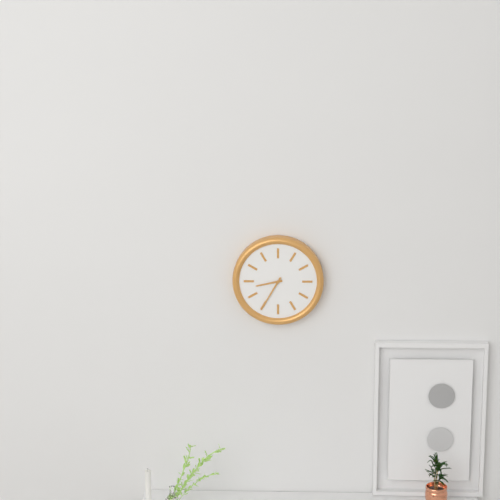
8:35
